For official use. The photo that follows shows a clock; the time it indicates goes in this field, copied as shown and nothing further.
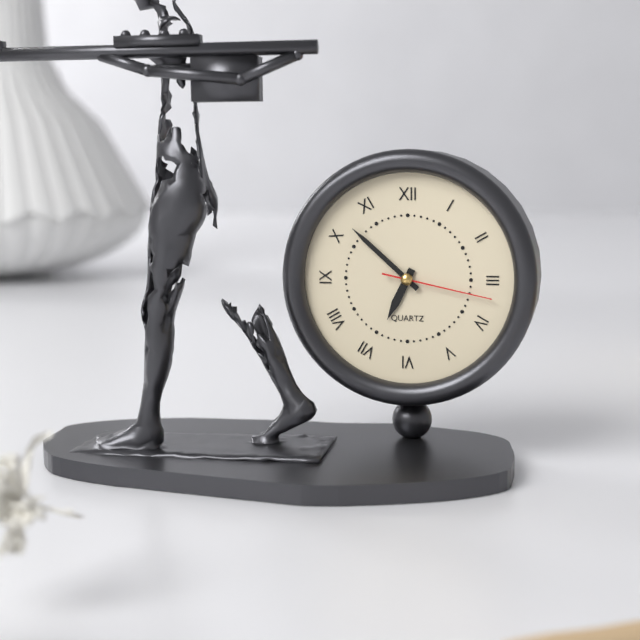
6:52:17
